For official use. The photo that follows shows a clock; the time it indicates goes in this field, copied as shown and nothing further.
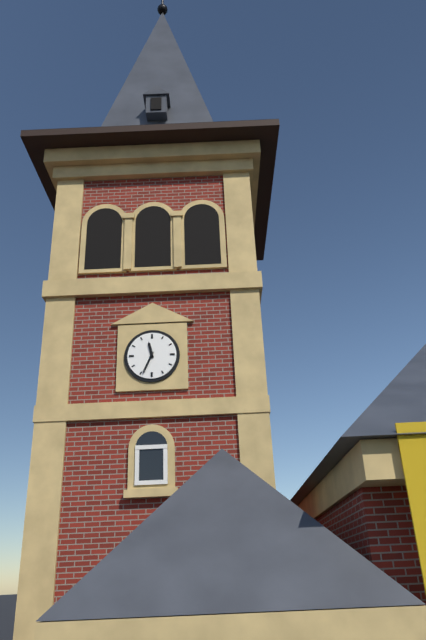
11:34
